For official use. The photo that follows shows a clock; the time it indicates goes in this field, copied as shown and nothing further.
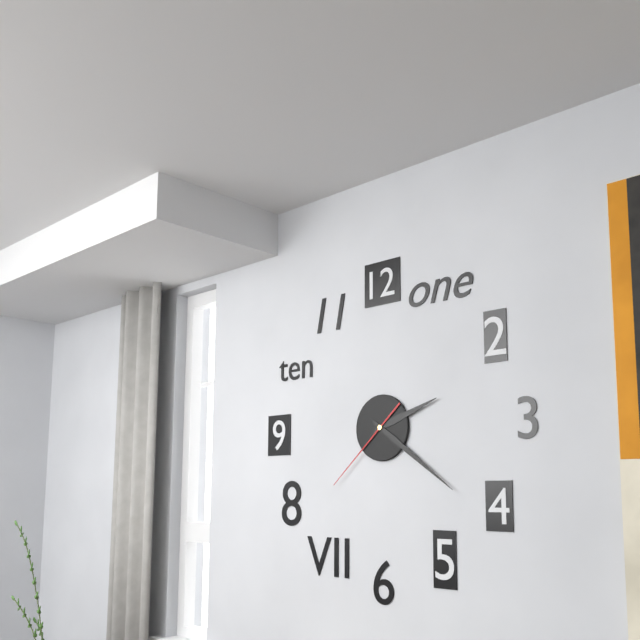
2:21:38
